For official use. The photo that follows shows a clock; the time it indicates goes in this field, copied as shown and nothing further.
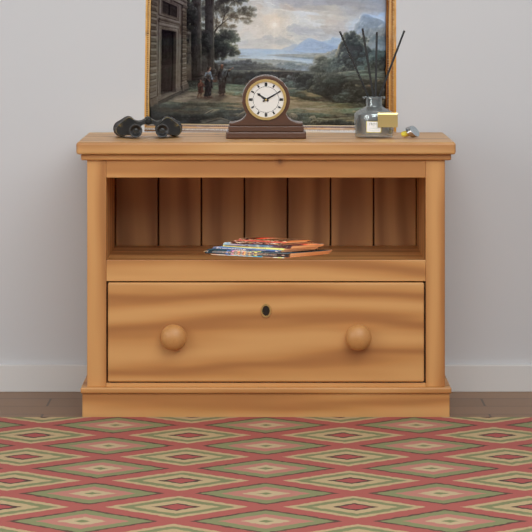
10:10
